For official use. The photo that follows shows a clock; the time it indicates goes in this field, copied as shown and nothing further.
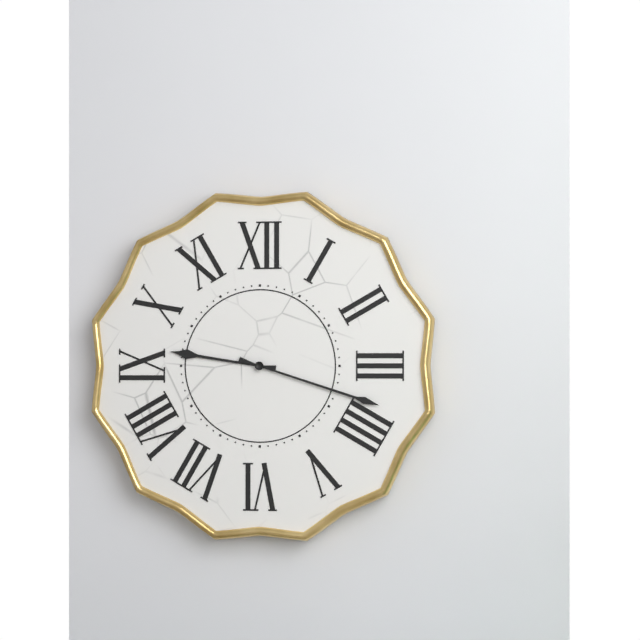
9:18
